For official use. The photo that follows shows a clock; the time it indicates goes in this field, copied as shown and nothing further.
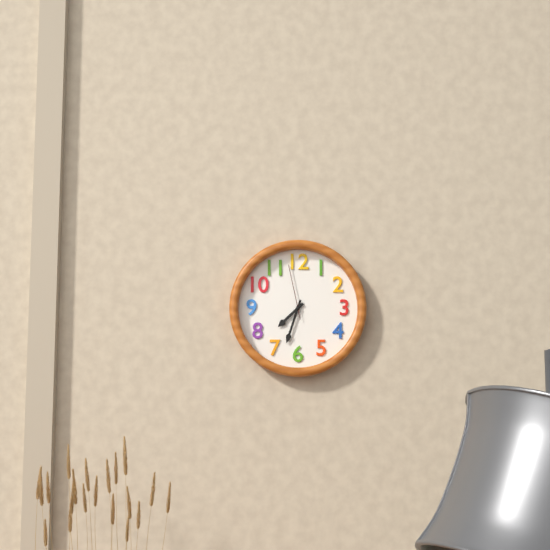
7:33:58
